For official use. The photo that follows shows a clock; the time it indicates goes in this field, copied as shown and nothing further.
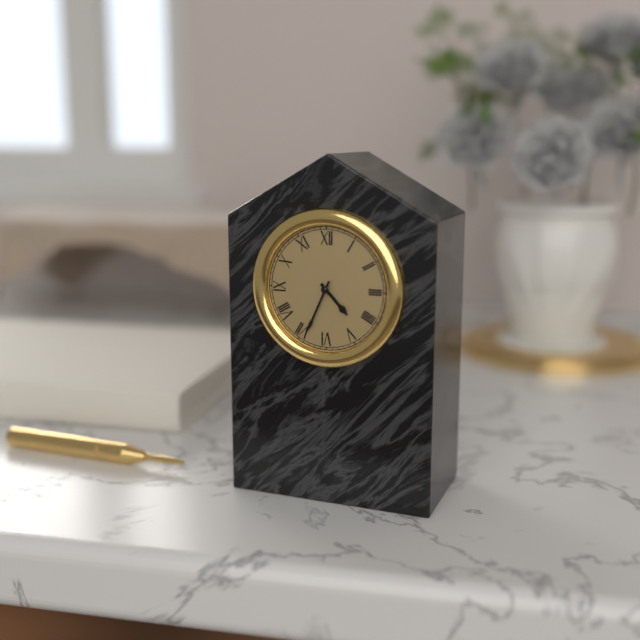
4:34
